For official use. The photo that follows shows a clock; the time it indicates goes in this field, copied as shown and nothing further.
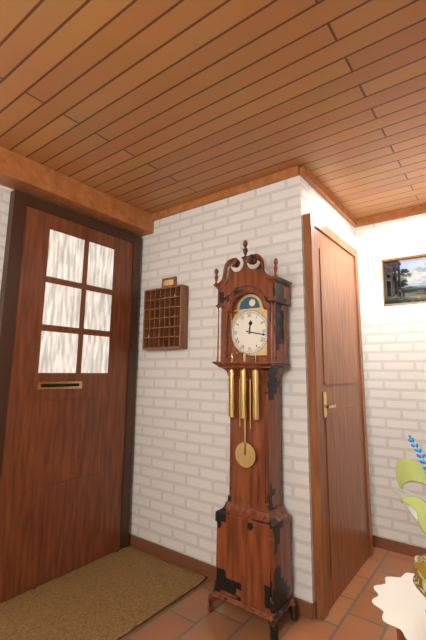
12:17
